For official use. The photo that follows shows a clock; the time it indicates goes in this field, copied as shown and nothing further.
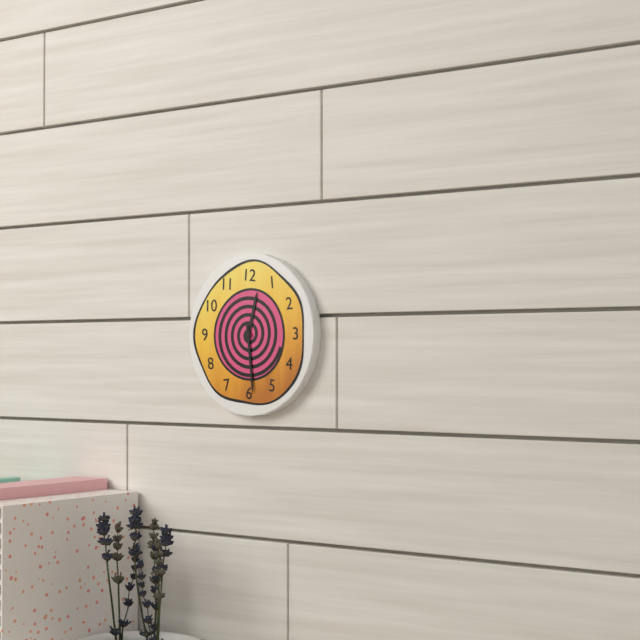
12:29
